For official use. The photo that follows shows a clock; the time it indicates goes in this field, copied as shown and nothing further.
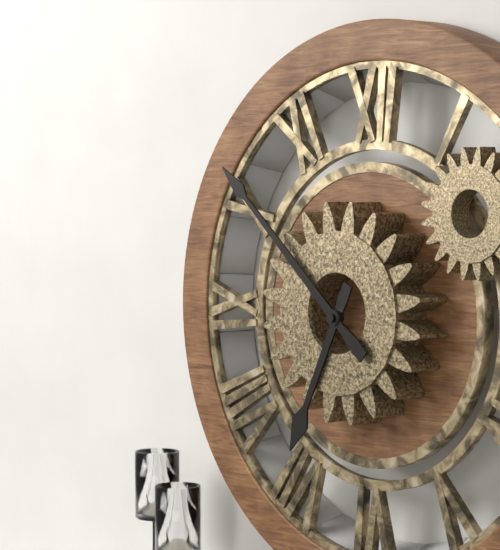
6:52
